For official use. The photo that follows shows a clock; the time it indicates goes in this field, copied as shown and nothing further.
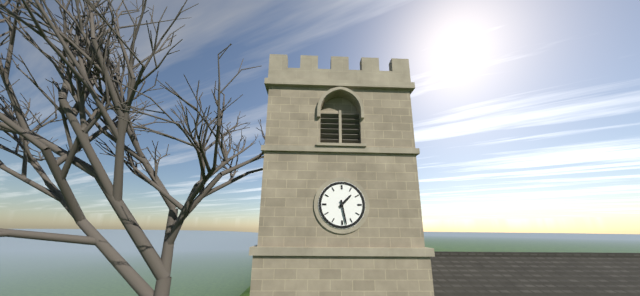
1:28
